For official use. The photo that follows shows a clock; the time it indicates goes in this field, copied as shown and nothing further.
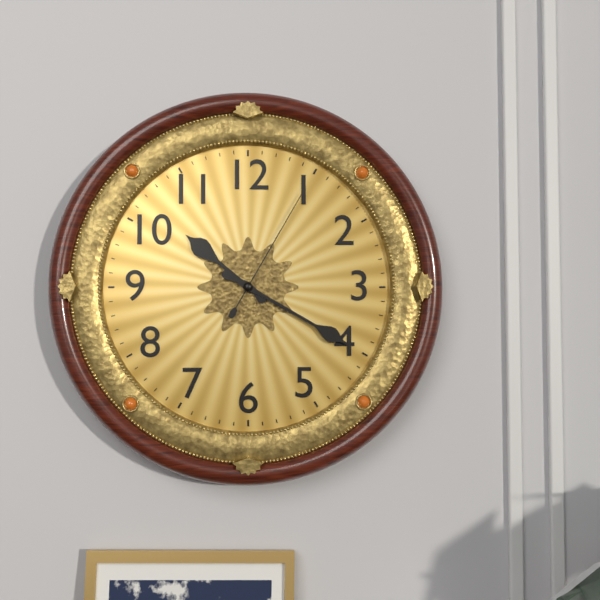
10:20:05
